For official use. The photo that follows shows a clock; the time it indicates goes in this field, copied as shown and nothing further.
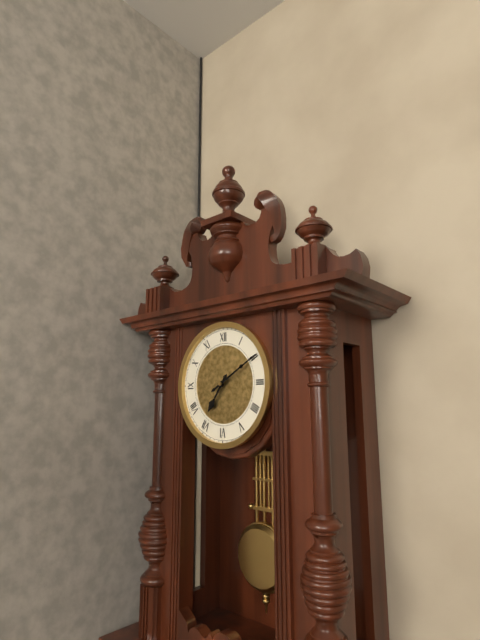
7:10
